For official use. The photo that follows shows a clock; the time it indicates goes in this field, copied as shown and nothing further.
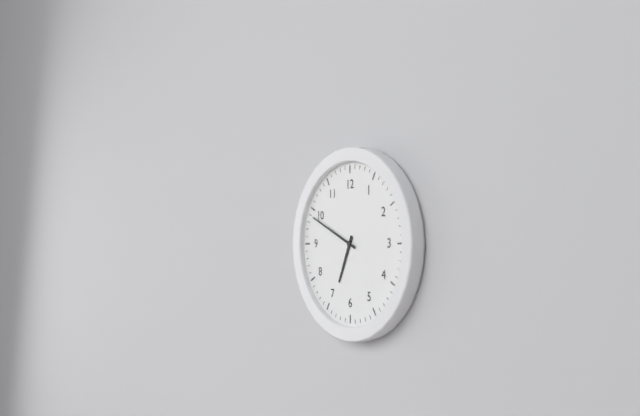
6:49
